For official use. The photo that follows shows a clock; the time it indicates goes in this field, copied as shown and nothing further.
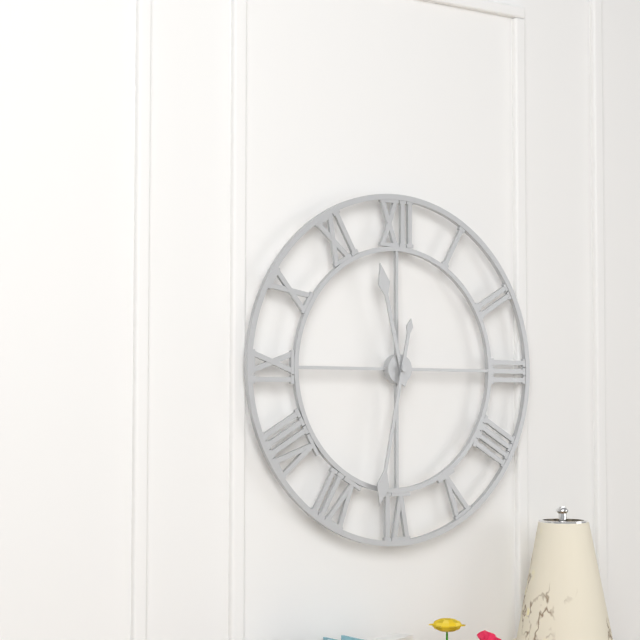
11:32
